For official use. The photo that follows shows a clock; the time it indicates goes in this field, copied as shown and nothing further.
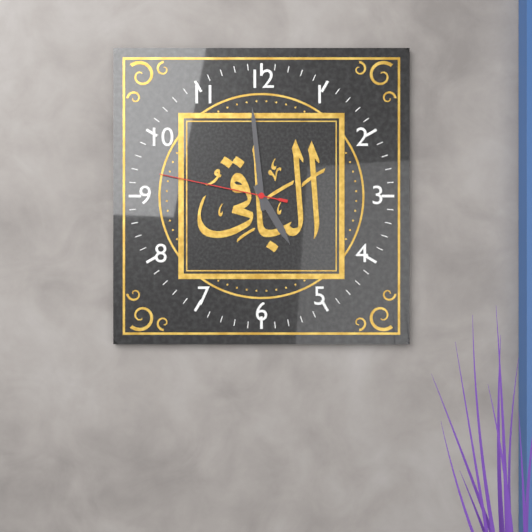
4:59:47
